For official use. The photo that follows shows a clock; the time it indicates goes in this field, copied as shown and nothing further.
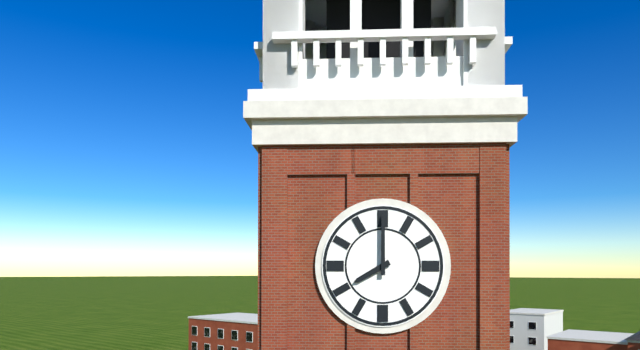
8:00
